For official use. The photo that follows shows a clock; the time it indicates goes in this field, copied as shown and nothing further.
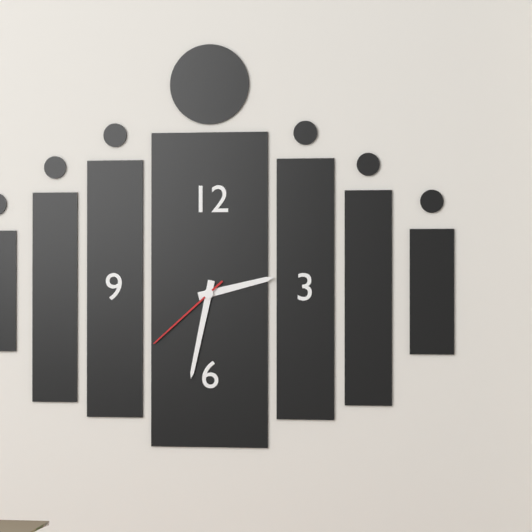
2:32:38
